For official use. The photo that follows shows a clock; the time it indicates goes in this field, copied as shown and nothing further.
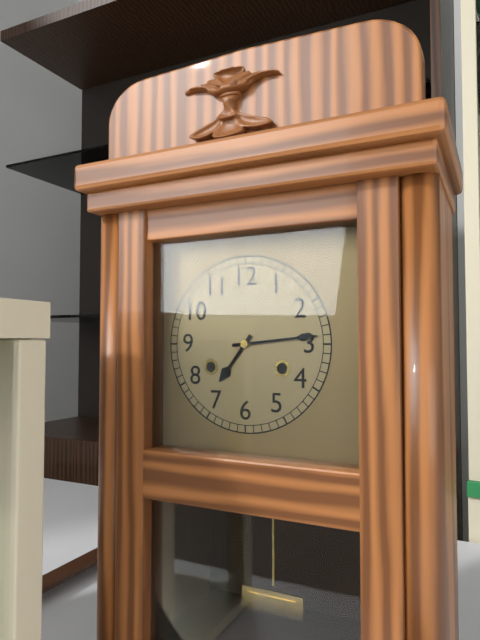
7:14
